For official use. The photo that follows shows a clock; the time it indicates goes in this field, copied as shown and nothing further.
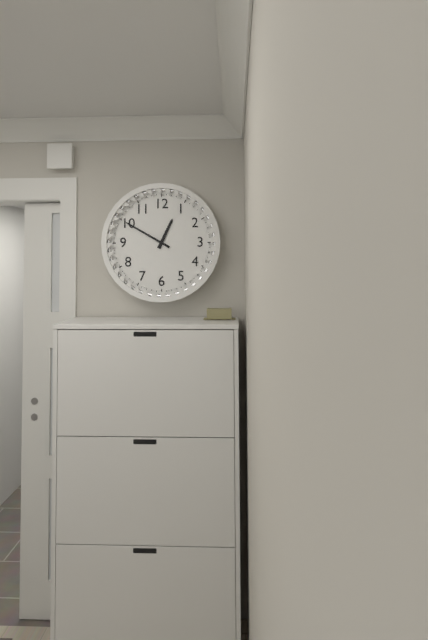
12:50
